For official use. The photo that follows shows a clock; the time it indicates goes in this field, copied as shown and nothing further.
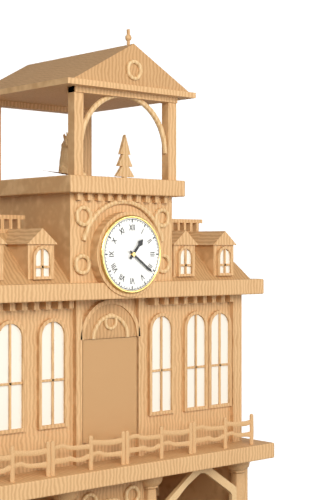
1:21
